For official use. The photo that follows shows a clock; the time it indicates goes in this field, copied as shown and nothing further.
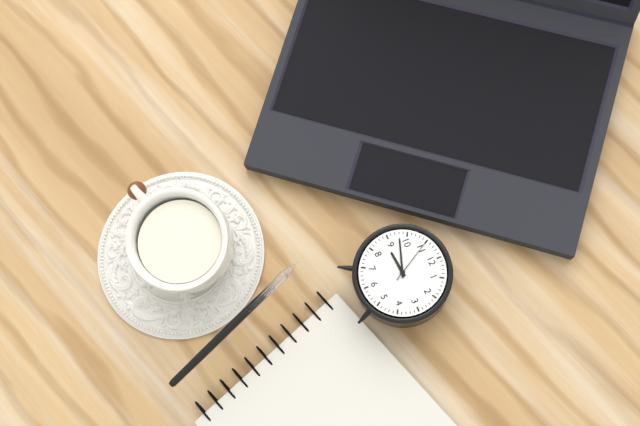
8:48
